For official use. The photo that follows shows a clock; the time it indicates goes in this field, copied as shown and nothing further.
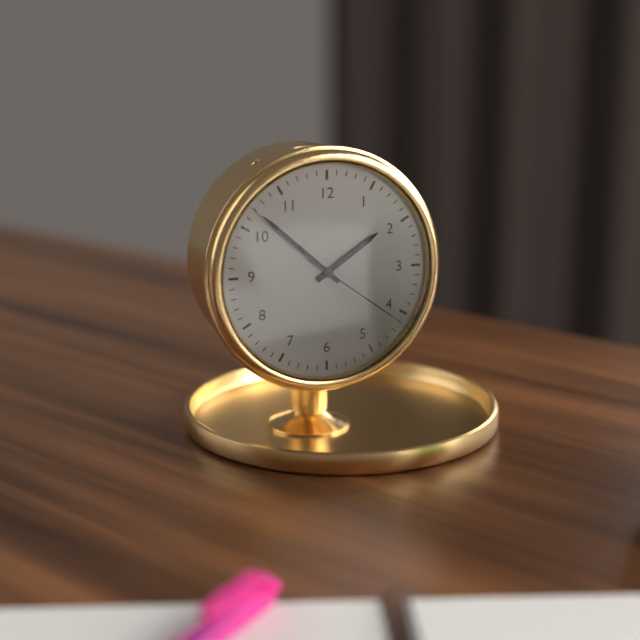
1:52:21
